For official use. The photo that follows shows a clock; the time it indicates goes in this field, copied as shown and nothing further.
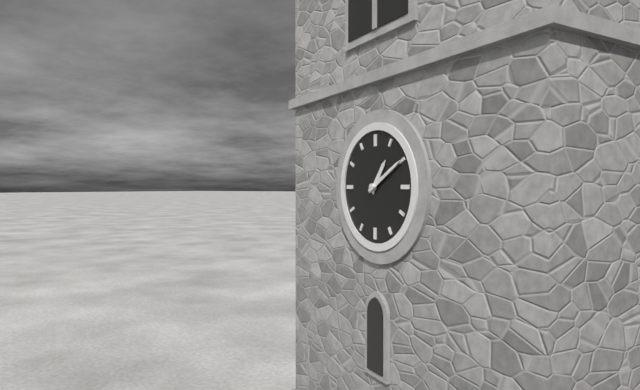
1:10
